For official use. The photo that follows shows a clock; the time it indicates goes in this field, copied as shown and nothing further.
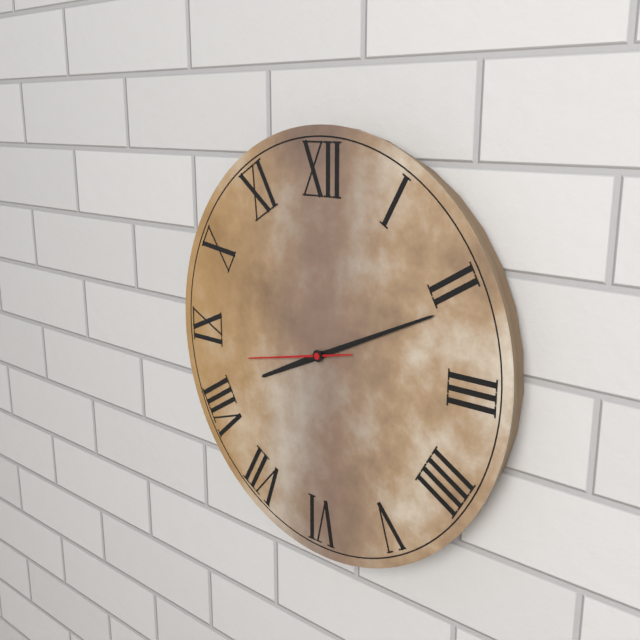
8:11:43
